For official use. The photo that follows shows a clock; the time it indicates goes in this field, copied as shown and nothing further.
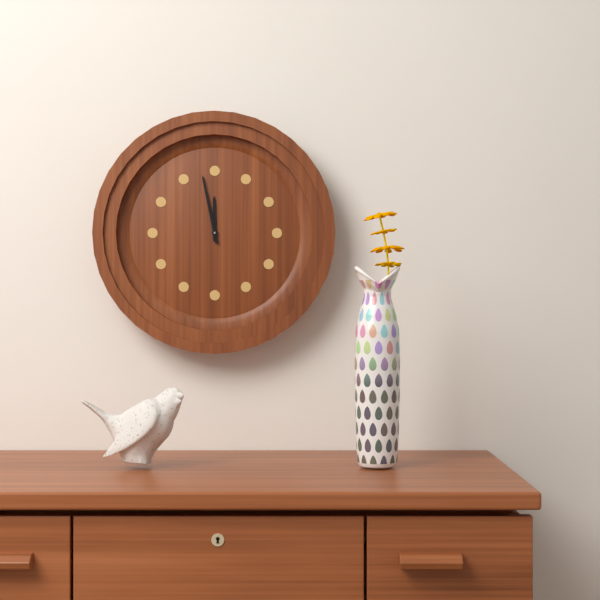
11:58
